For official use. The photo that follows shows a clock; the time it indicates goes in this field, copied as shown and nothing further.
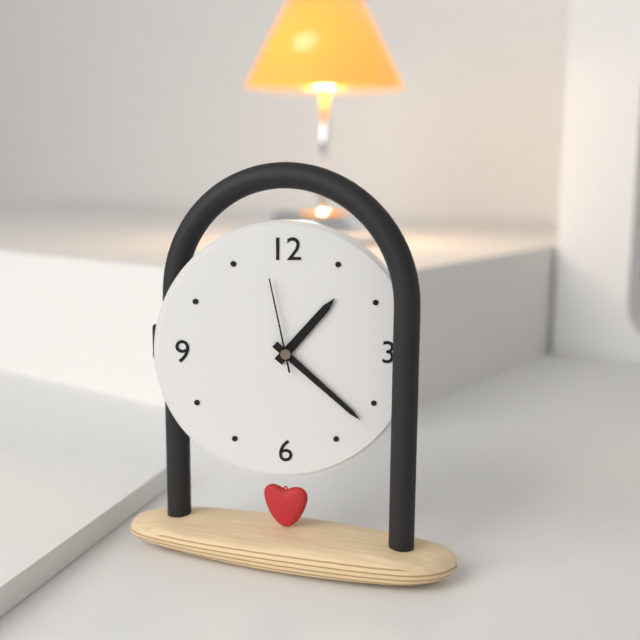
1:22:58
